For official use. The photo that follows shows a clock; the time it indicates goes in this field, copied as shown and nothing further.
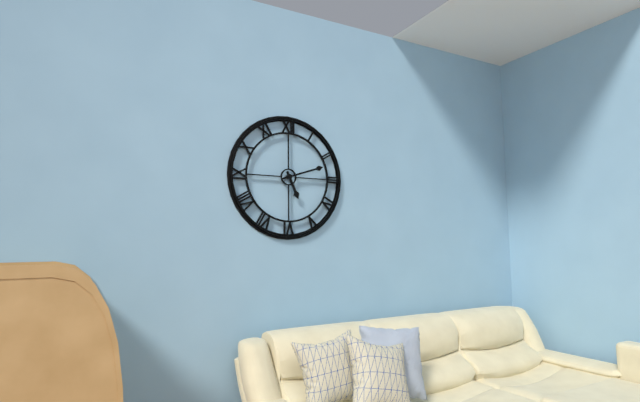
5:12
